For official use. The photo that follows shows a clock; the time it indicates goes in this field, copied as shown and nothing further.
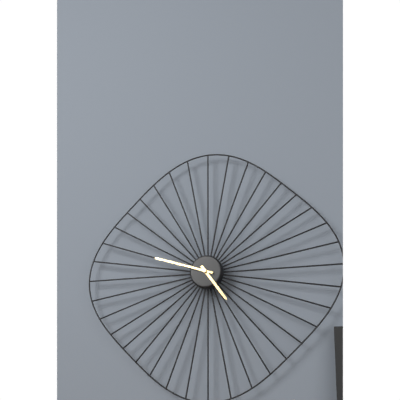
4:48
